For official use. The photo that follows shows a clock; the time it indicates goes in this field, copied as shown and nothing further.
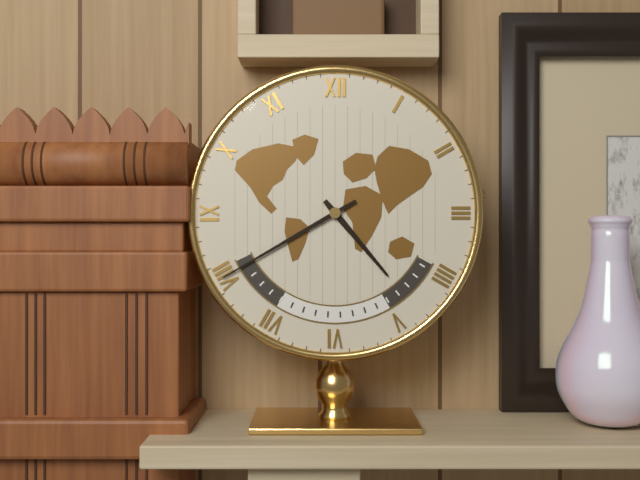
4:40
